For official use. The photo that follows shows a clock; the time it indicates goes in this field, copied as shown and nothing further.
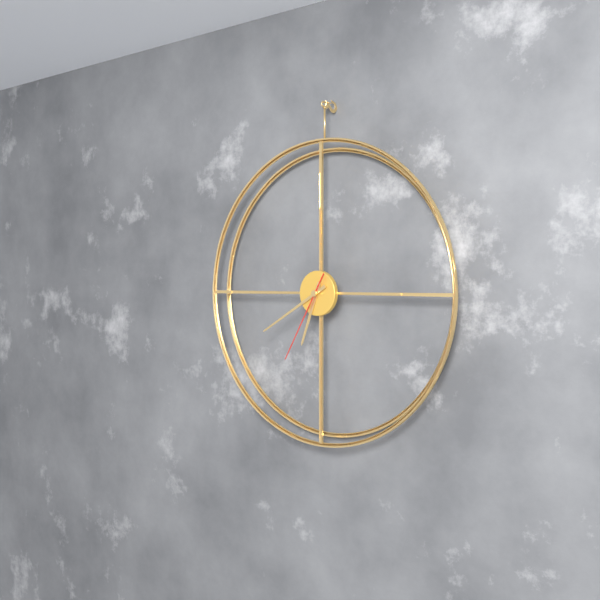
6:40:35
